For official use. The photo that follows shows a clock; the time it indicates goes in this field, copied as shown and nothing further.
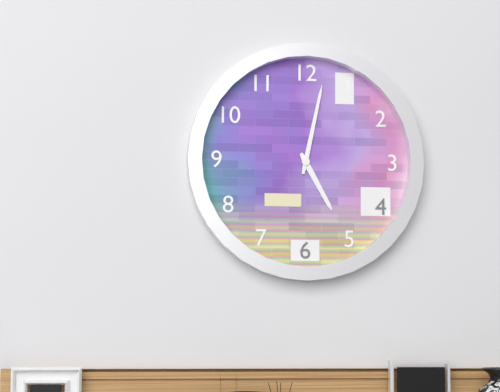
5:02
